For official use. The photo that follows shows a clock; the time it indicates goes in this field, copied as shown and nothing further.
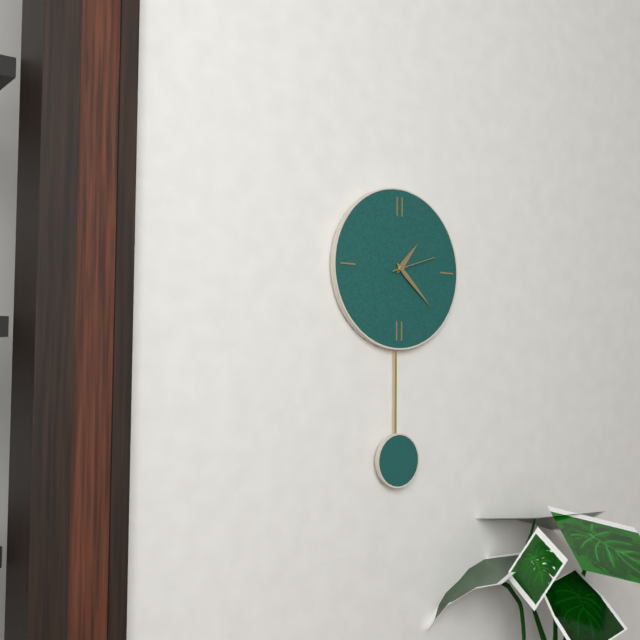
1:22:12
